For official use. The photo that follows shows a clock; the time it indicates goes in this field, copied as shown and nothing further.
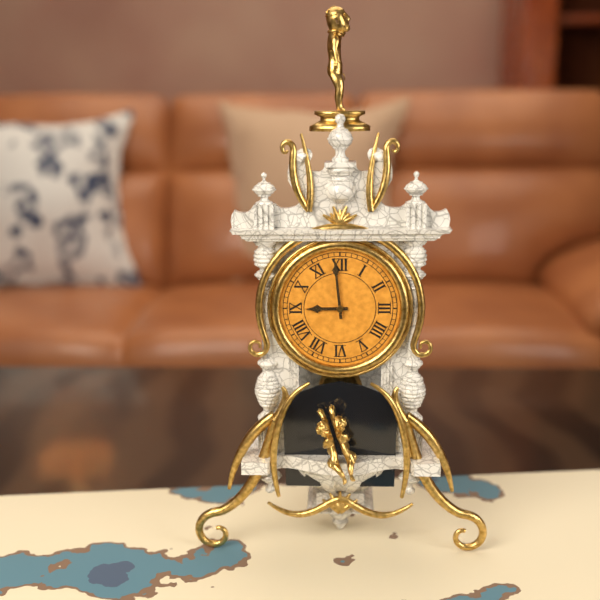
8:59
